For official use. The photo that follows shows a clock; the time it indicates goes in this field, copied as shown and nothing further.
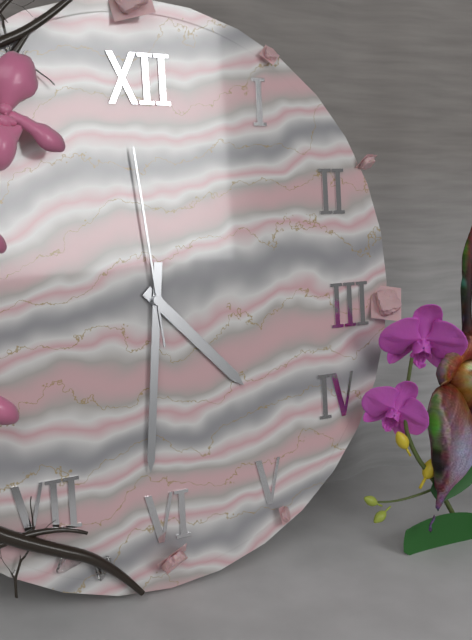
4:31:59
